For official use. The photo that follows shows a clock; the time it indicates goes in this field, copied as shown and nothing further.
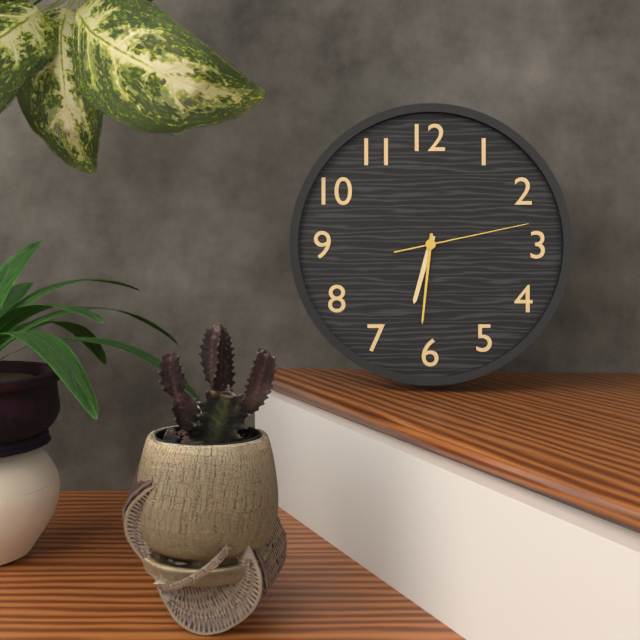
6:31:13
